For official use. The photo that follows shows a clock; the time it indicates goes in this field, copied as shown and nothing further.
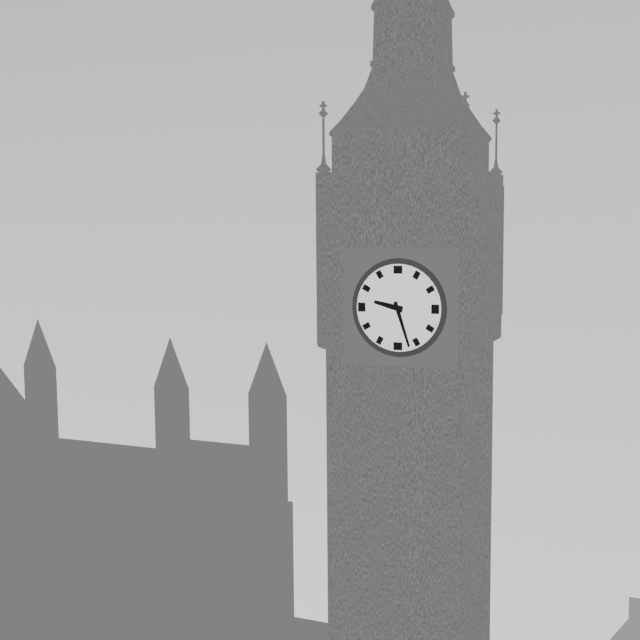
9:27
